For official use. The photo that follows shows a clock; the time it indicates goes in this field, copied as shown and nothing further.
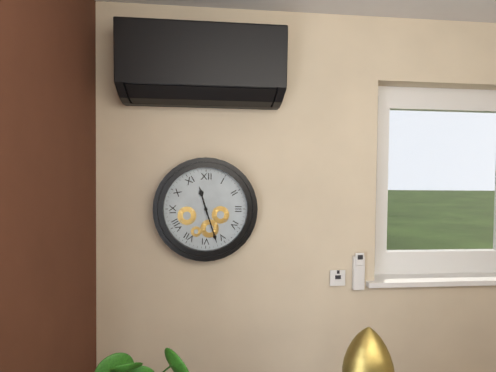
11:27
